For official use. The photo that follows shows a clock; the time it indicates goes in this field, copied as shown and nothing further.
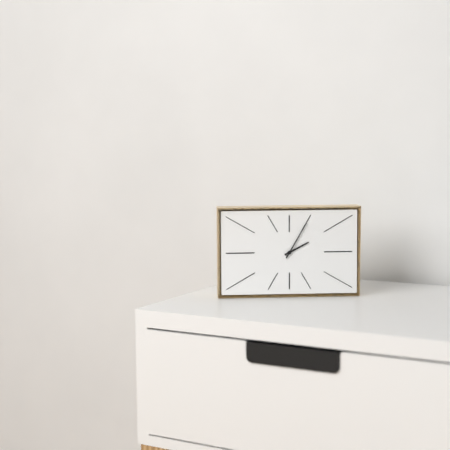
2:05
